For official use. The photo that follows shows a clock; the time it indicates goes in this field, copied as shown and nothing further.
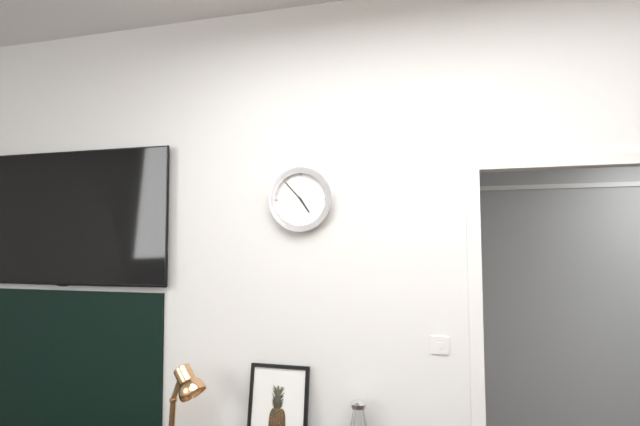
4:53
